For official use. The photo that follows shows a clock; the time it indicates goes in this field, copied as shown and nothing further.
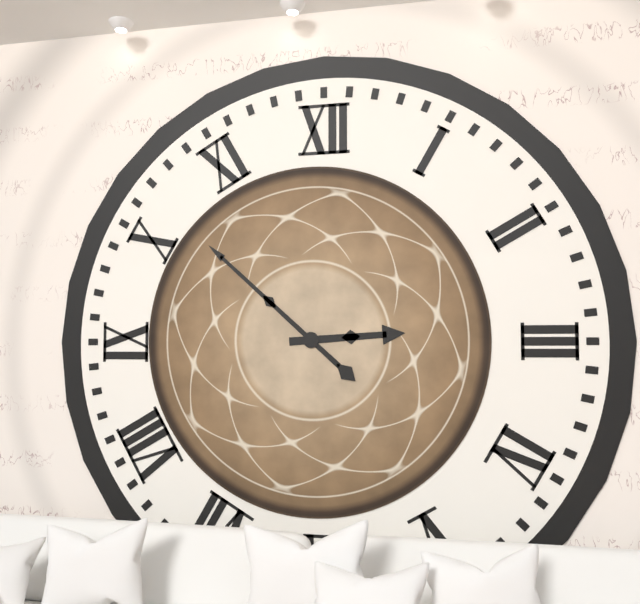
2:52
